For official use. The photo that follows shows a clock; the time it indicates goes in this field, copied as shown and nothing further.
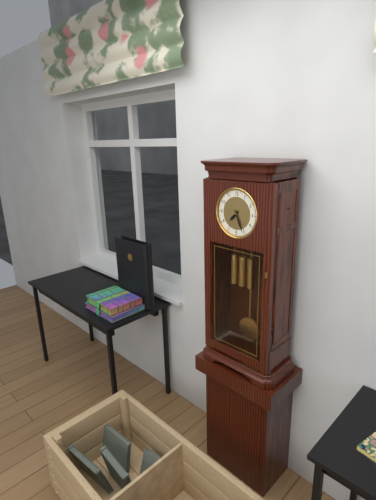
7:26
